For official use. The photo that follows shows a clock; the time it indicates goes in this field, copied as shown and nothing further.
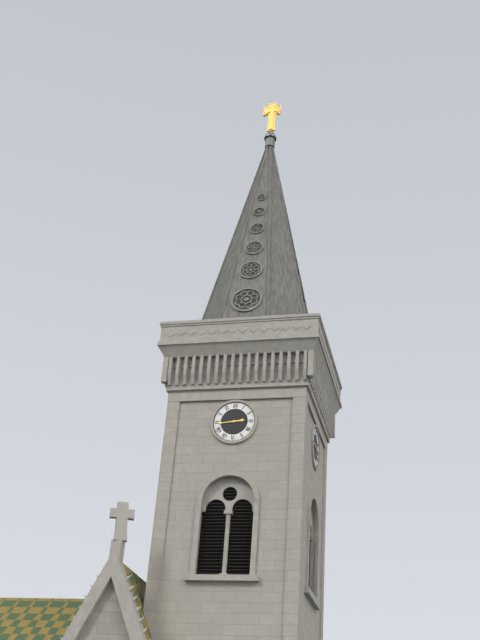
2:44
